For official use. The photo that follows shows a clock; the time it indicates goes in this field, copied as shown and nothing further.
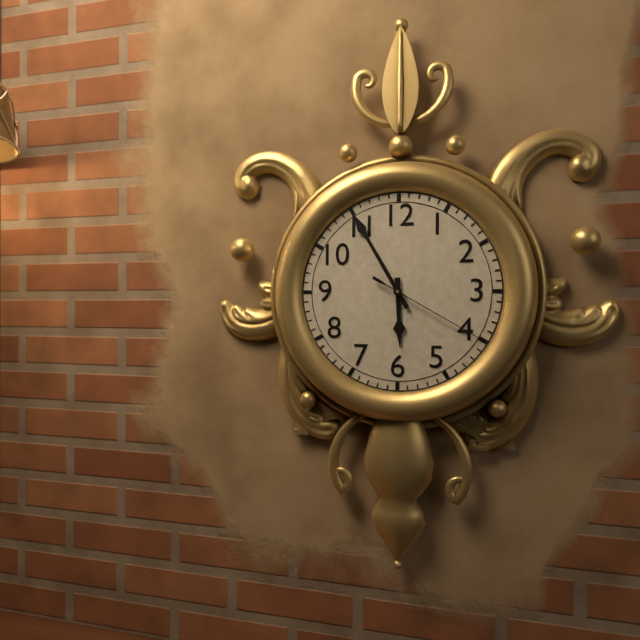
5:55:20
